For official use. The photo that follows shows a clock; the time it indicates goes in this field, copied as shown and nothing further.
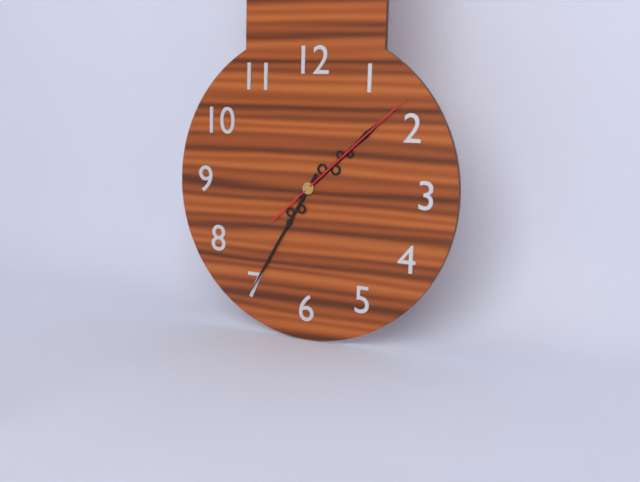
1:35:08
